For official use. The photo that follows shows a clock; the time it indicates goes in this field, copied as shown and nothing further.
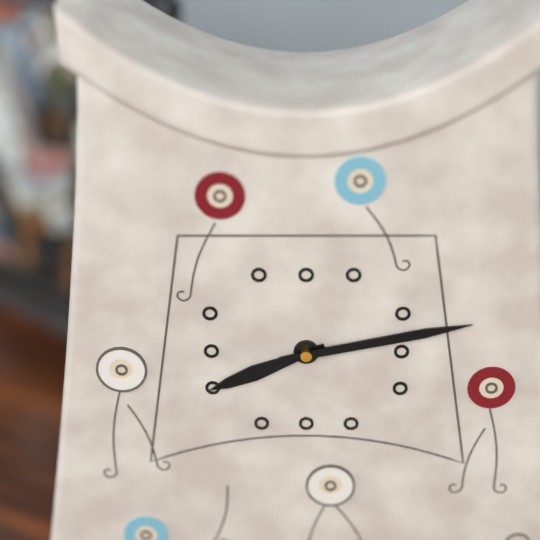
8:13
